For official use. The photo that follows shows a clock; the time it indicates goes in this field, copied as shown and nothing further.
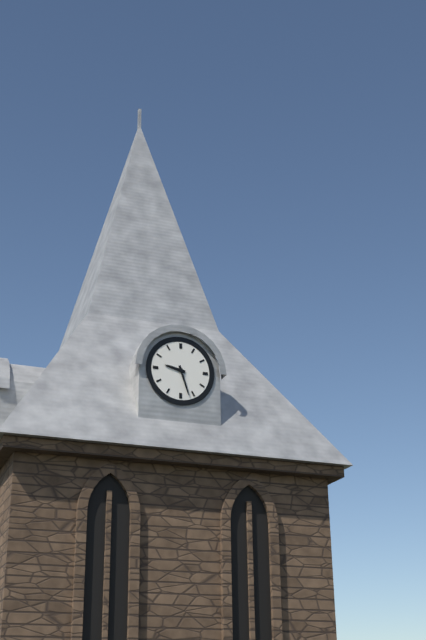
9:27
